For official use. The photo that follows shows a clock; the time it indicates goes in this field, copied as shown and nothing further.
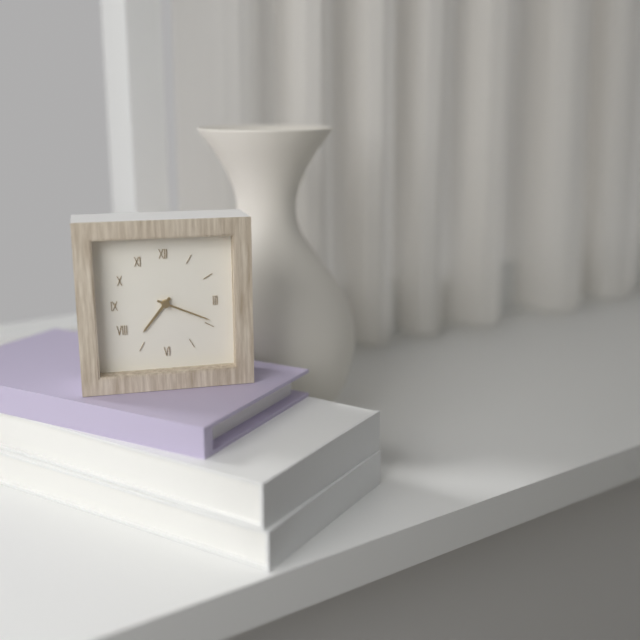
7:19
